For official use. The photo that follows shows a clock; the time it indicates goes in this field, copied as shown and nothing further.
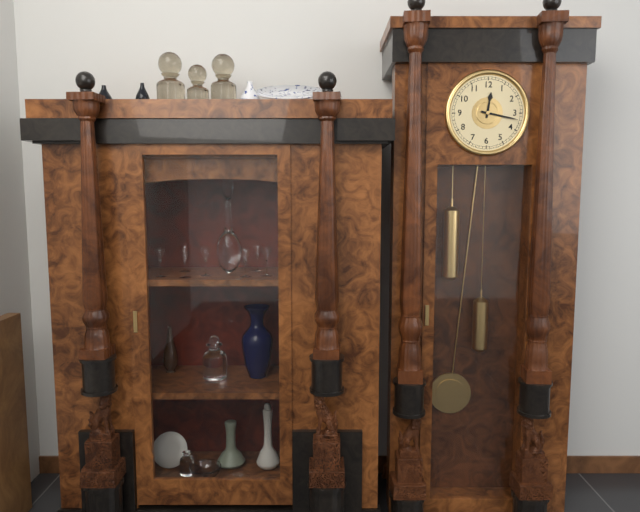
12:17
